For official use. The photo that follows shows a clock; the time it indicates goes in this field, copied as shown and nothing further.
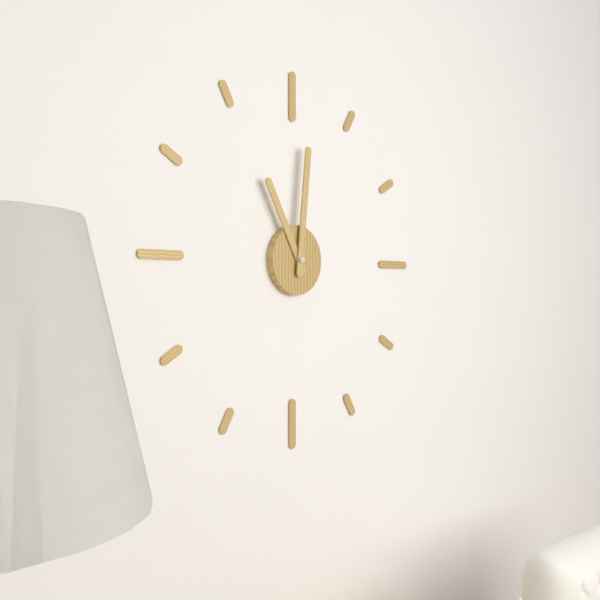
11:01
